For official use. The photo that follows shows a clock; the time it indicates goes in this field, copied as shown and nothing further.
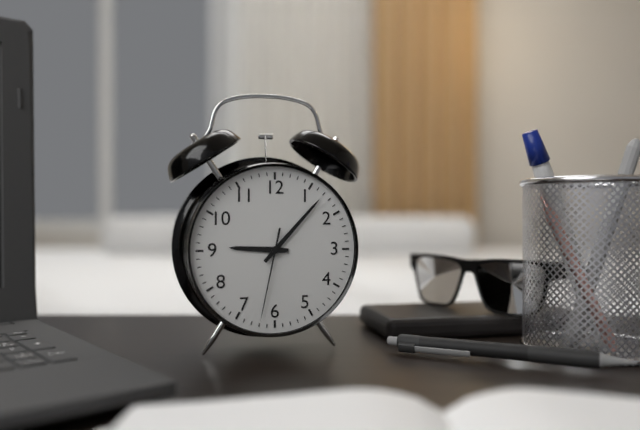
9:07:32
